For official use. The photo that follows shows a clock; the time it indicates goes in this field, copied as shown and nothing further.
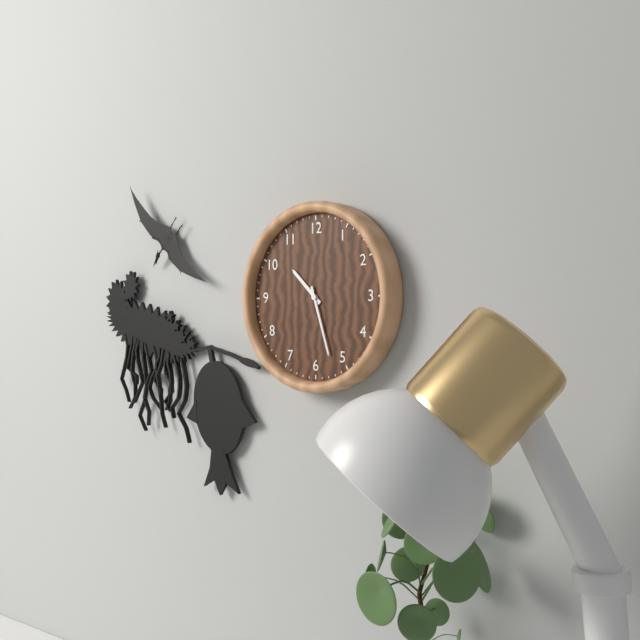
10:27
